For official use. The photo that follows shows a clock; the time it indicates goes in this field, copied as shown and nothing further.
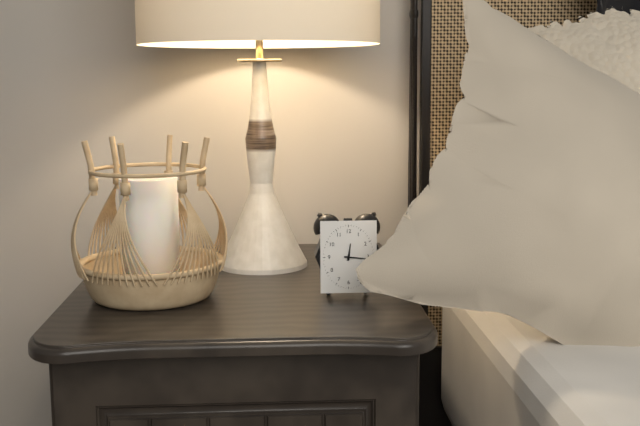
12:16
